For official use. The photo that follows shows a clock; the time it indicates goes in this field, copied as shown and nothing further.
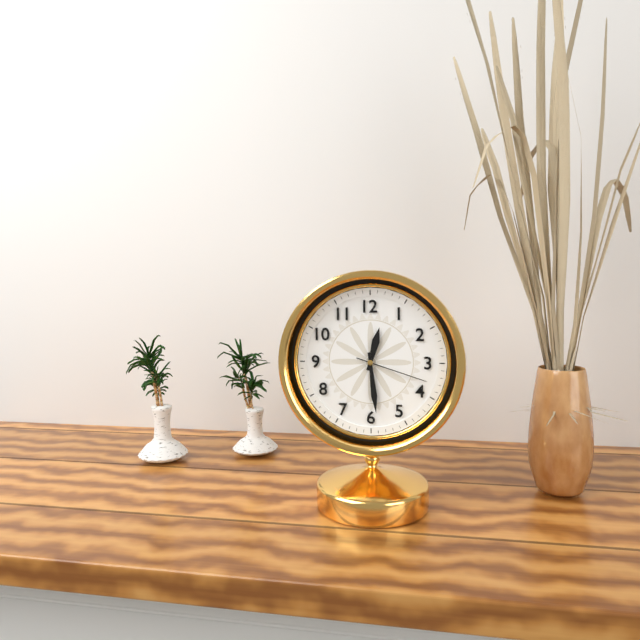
12:29:18
